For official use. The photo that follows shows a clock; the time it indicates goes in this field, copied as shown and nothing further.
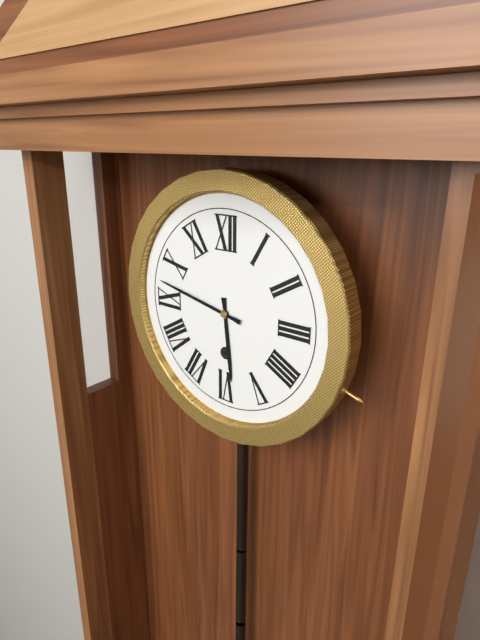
5:47
